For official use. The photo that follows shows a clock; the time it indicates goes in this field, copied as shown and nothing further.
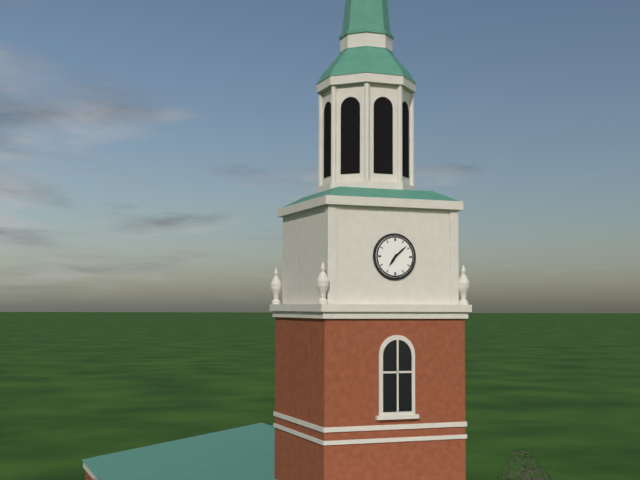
7:08
